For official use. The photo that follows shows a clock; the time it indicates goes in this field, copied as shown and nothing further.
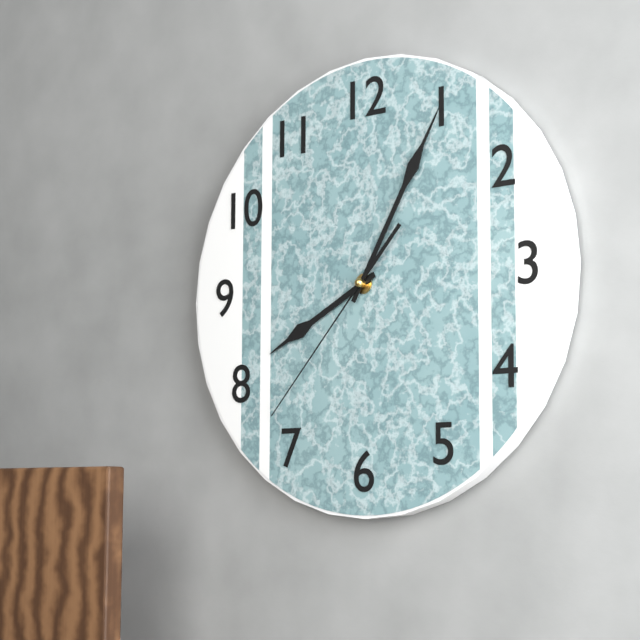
8:05:37
